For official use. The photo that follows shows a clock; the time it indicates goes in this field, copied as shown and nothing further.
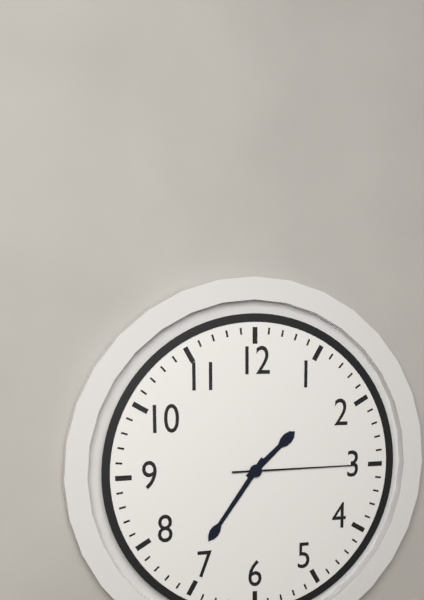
1:36:15
